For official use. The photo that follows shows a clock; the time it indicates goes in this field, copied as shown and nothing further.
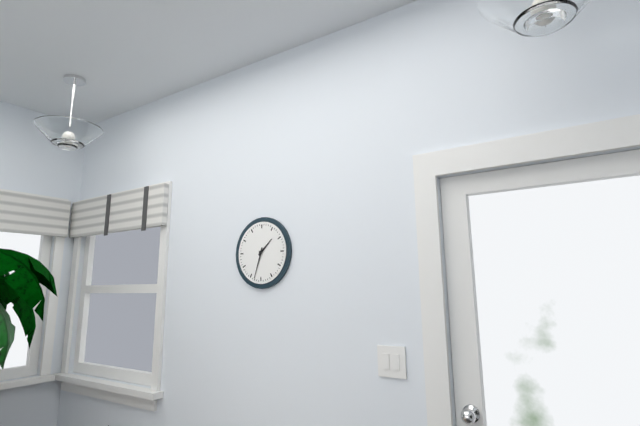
1:33
